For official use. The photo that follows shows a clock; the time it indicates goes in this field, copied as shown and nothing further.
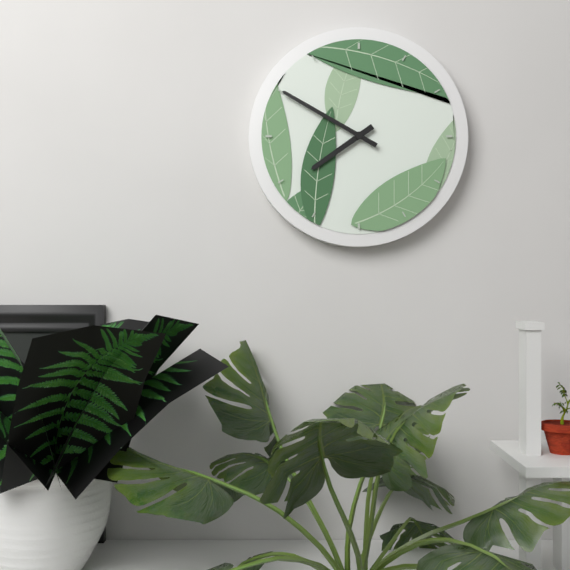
7:50
